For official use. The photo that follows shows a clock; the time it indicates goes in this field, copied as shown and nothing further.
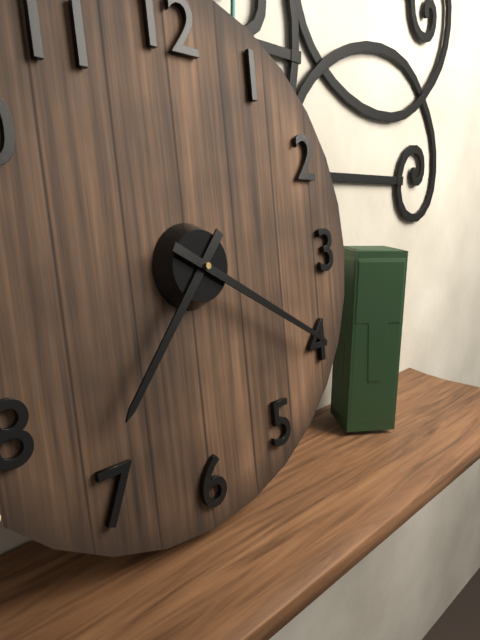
7:20
